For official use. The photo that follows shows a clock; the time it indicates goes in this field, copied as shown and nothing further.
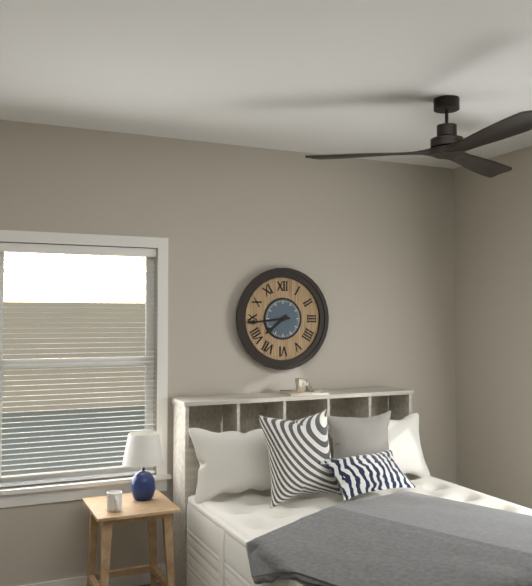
7:44
